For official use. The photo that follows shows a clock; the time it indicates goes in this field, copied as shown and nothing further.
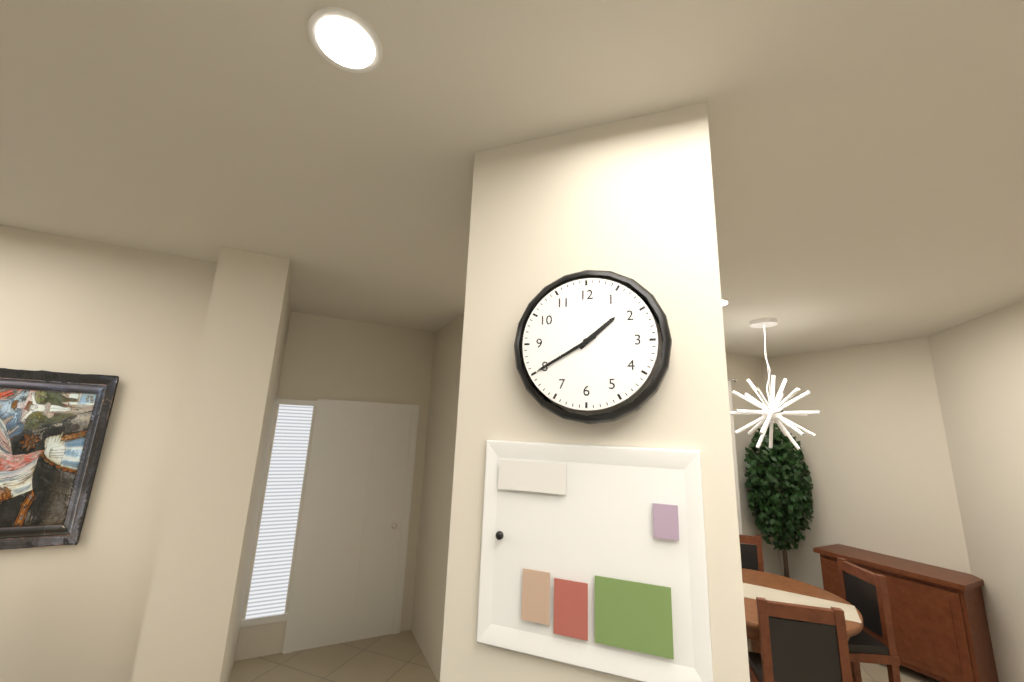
1:40
